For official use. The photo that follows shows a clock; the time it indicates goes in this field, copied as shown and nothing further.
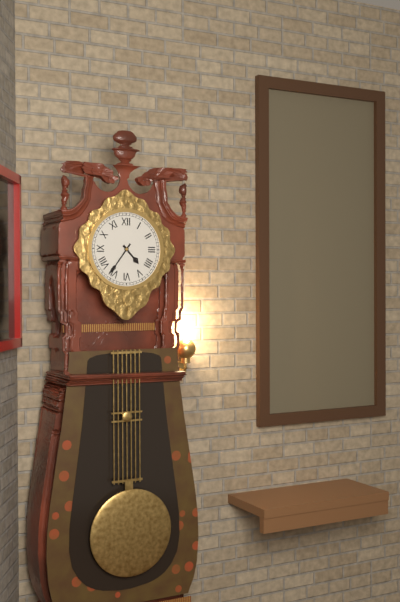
4:36
